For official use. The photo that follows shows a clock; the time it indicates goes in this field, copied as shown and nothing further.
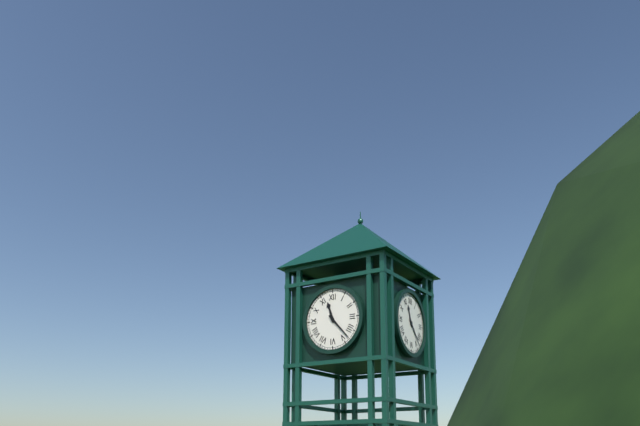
11:23
